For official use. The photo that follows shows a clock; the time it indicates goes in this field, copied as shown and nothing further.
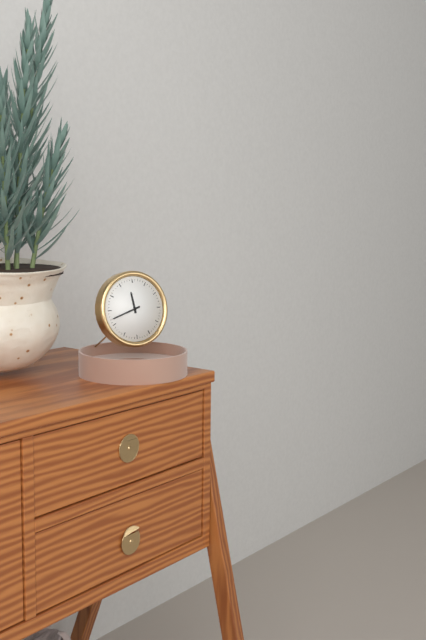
11:42
